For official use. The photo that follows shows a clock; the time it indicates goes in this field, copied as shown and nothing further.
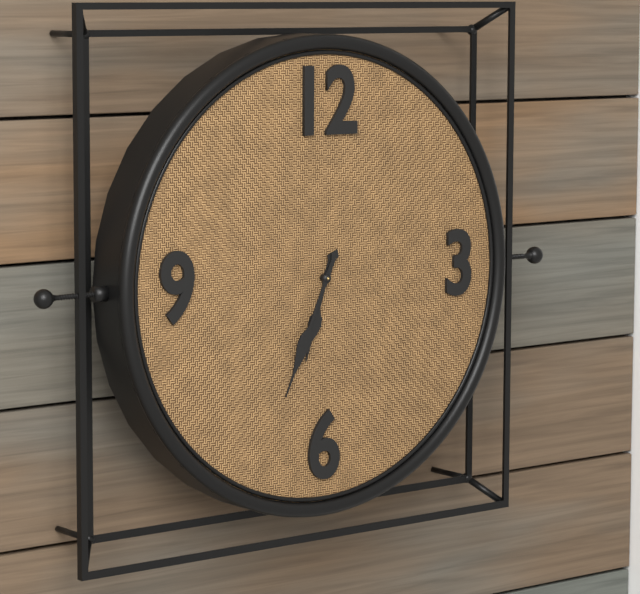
6:34
